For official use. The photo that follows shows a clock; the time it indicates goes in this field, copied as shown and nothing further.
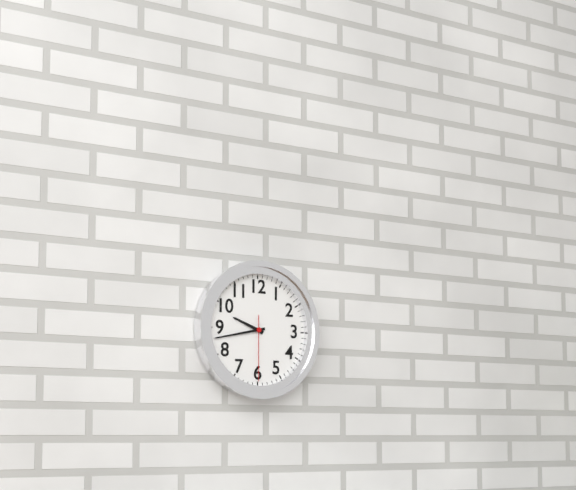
9:43:30
